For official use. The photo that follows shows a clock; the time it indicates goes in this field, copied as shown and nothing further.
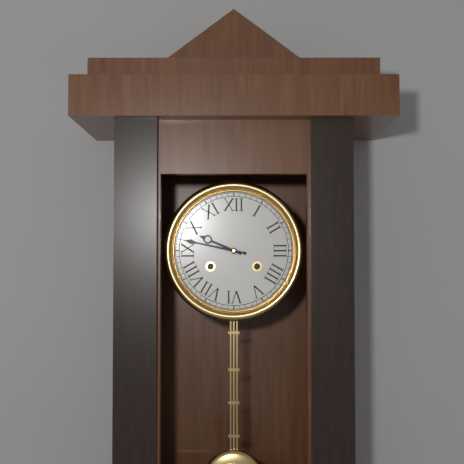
9:47
